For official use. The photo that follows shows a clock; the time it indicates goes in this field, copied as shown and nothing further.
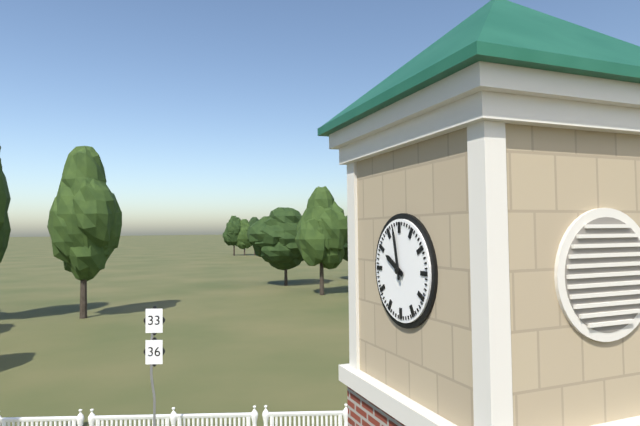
9:58
